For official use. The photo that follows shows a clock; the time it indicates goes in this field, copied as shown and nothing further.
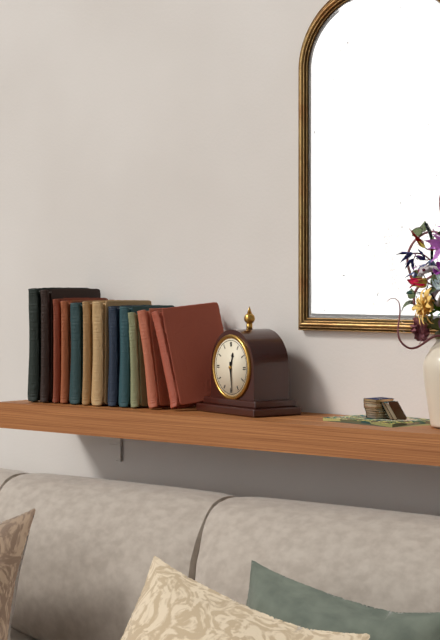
12:29
